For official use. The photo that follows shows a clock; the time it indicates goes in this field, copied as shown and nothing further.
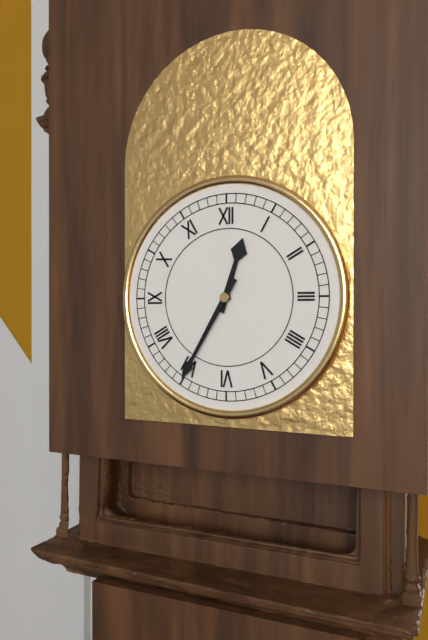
12:35
